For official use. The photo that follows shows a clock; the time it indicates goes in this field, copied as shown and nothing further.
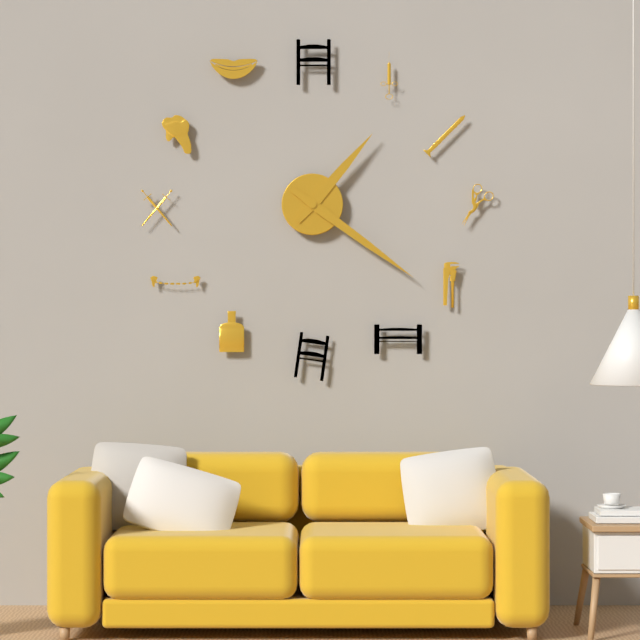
1:21
